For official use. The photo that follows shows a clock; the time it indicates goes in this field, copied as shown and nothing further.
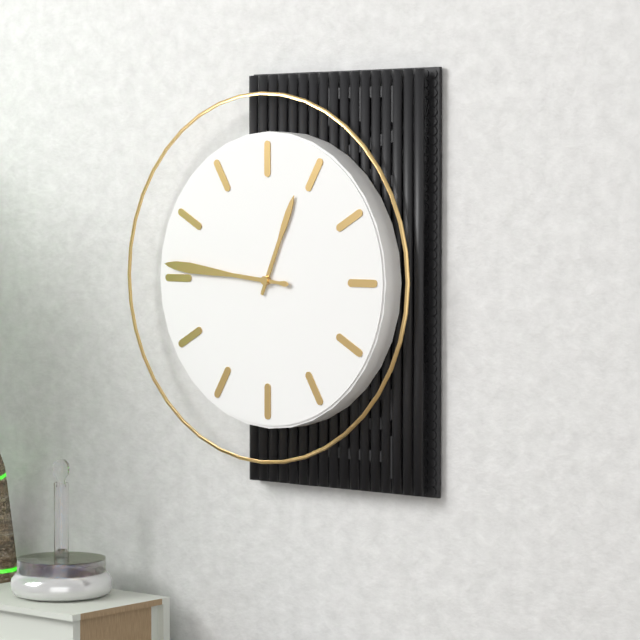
12:46
